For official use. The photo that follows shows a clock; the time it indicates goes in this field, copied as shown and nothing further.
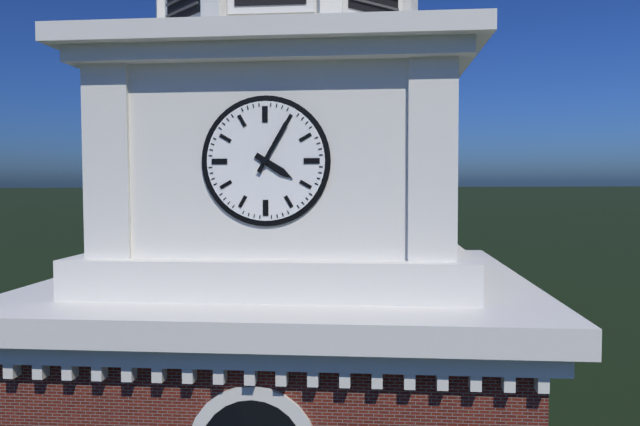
4:05
